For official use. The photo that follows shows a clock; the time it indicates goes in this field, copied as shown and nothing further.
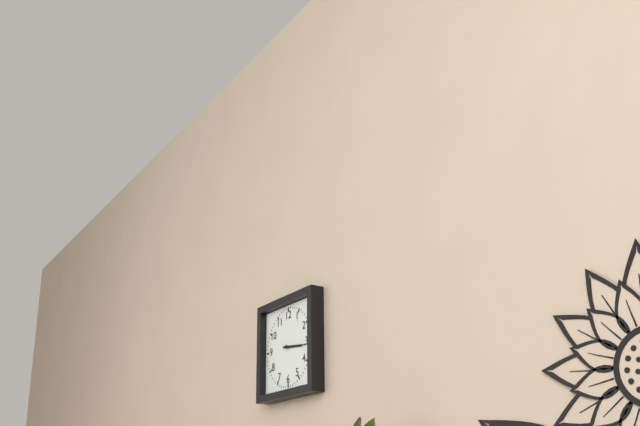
3:16
